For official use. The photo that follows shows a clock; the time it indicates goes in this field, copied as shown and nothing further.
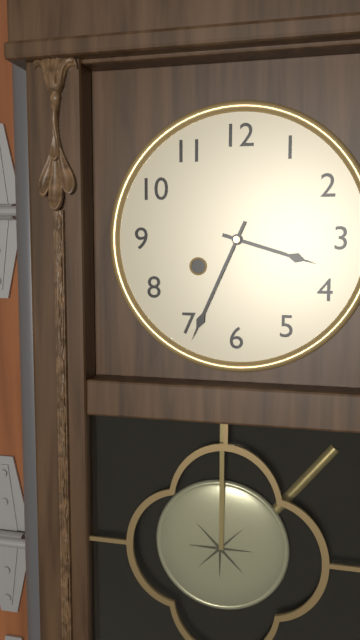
3:34
